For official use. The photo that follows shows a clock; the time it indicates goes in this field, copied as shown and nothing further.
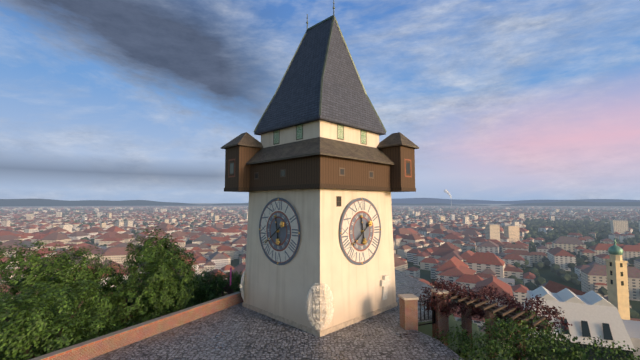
11:39
